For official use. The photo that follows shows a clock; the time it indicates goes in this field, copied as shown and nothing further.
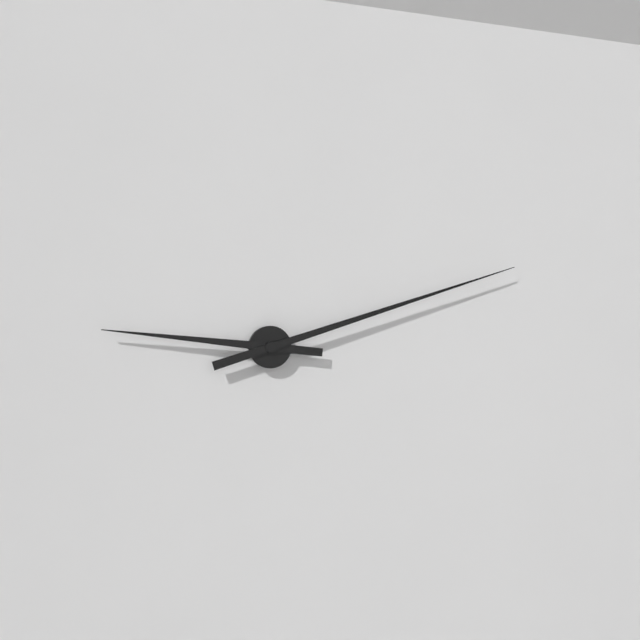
9:12
